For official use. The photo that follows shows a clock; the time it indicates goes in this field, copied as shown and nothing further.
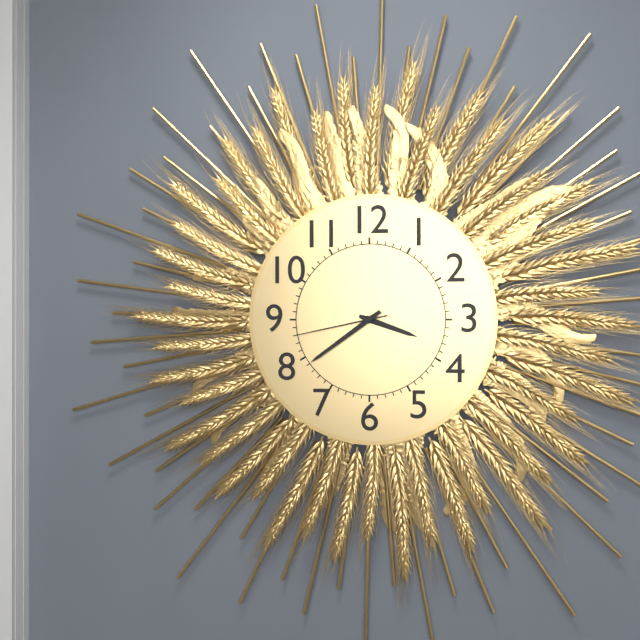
3:39:43
